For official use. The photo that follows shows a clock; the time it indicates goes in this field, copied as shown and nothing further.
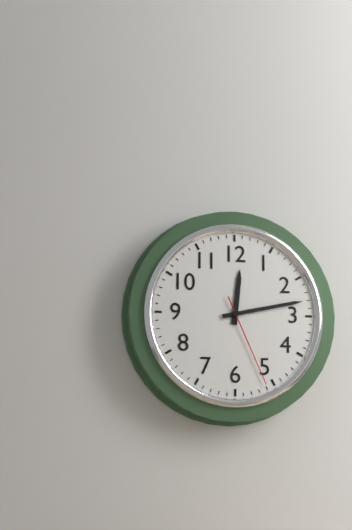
12:13:26
